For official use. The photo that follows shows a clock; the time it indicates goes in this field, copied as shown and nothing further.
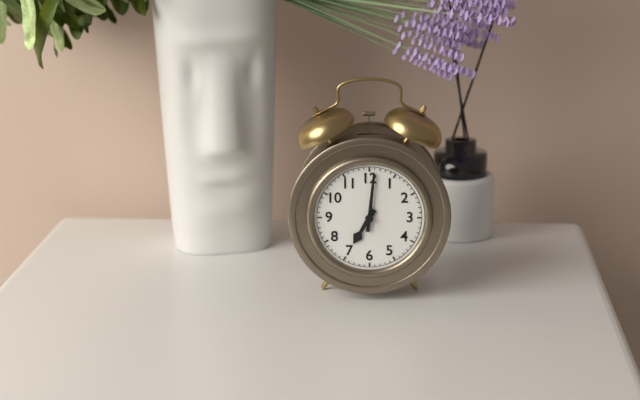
7:01
